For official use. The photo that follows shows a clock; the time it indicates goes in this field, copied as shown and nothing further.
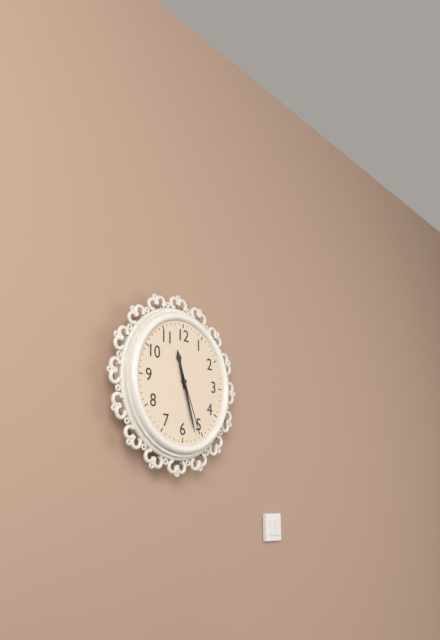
11:27:26
